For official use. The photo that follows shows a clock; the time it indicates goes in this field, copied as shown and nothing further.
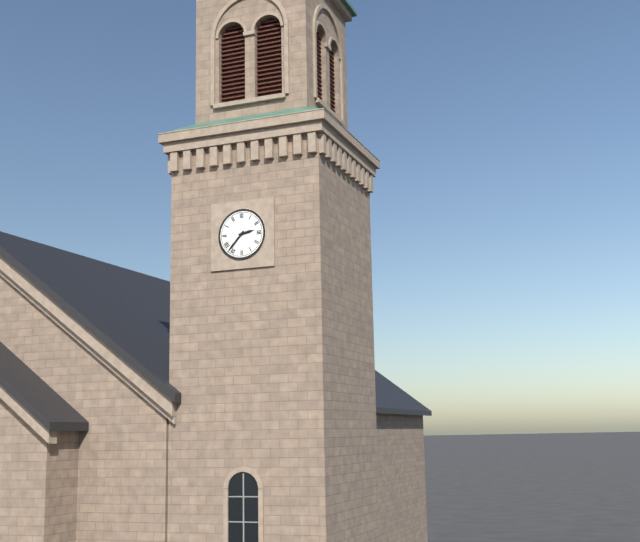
2:37
